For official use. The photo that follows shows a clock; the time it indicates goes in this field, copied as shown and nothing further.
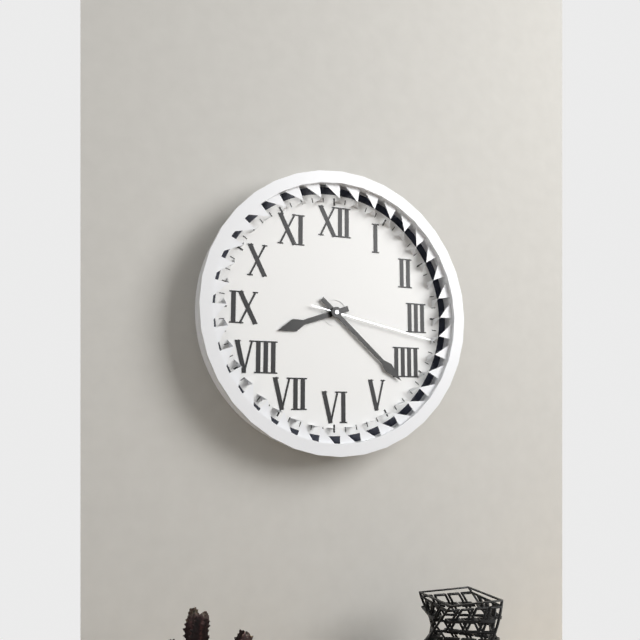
8:22:17
